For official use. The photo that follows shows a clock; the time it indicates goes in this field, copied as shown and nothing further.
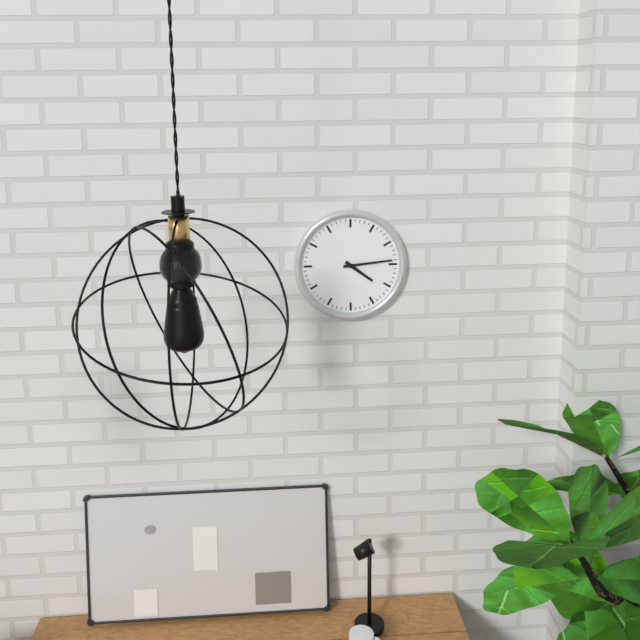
4:14
